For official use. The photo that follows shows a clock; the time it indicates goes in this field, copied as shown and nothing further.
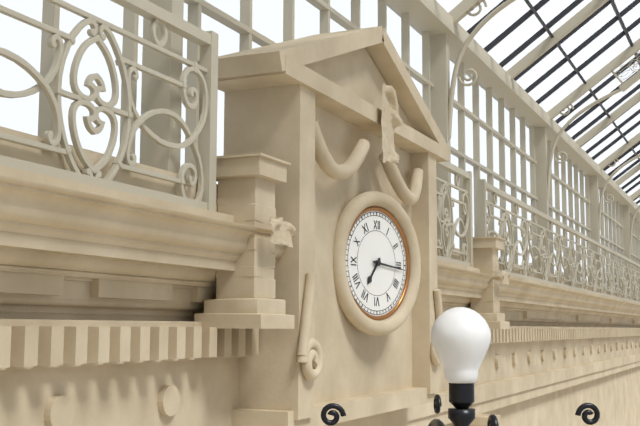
7:16
